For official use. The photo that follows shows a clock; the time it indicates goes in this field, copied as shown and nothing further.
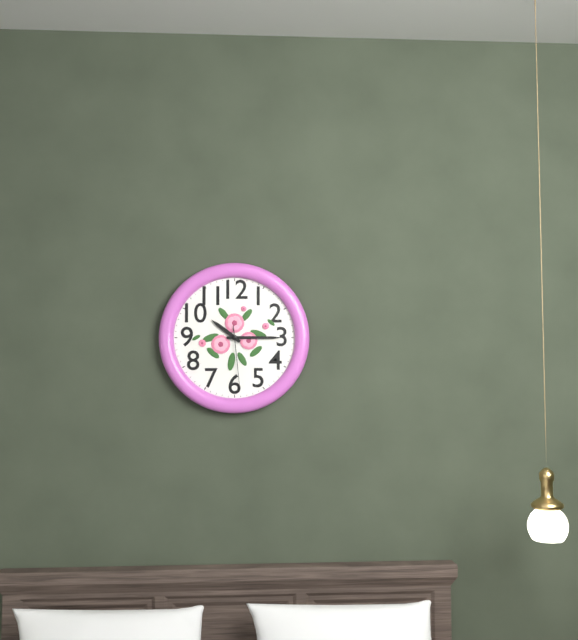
10:15:29
